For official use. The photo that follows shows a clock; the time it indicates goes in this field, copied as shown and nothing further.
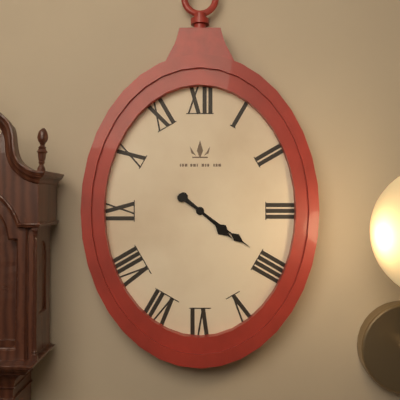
4:21
